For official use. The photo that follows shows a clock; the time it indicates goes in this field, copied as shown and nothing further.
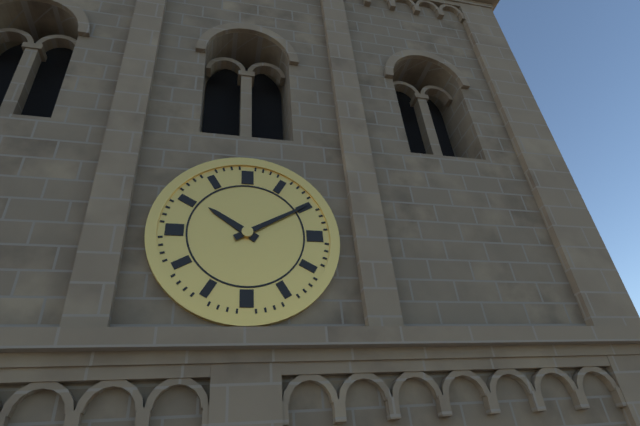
10:10
